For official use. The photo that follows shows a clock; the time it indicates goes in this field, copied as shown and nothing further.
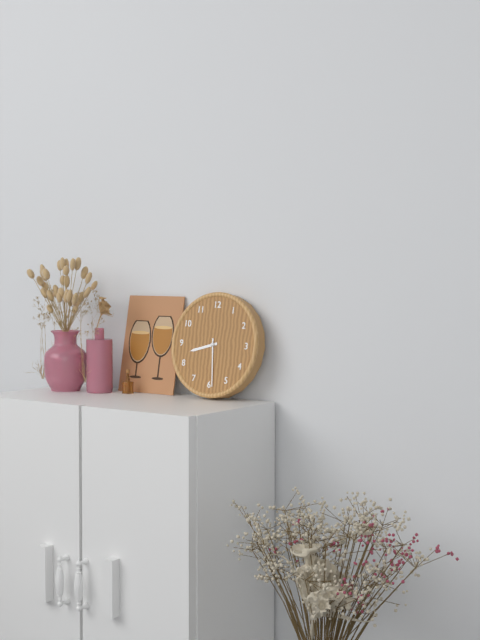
8:29
